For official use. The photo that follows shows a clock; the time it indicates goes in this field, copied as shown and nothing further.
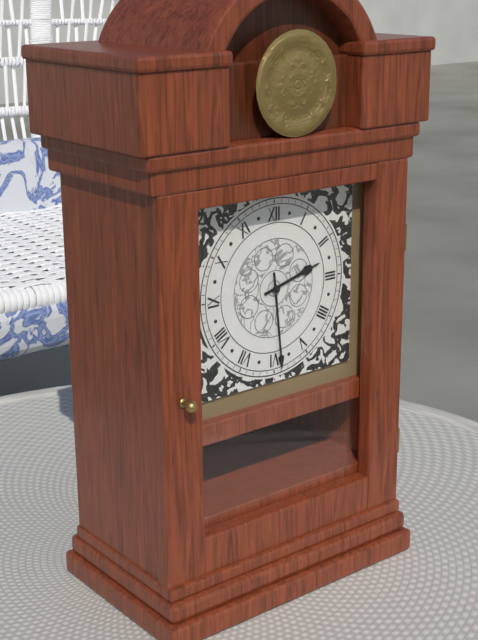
2:29
